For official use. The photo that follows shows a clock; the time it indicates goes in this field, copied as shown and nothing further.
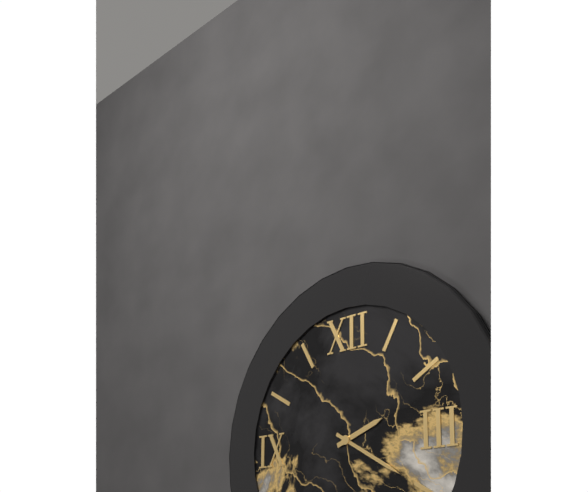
2:20
